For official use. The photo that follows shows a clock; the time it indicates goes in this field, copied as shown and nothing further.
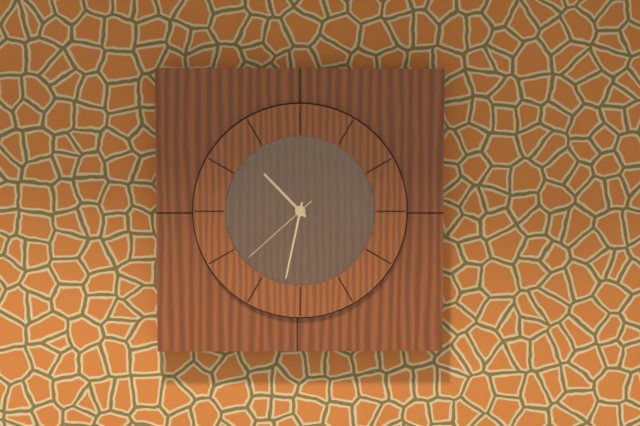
10:32:38
